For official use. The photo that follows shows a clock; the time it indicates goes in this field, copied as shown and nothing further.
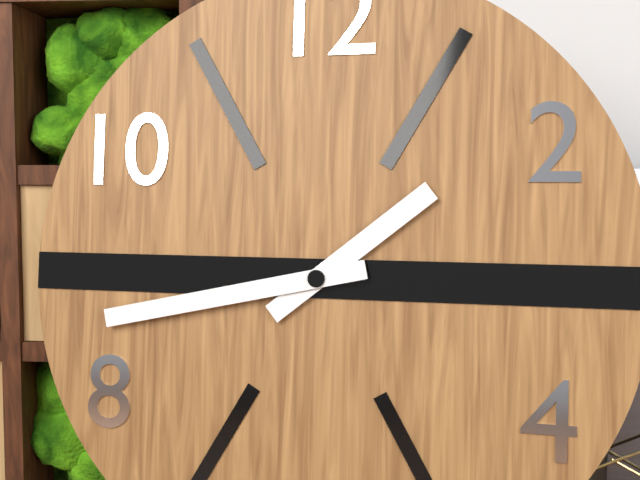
1:43
